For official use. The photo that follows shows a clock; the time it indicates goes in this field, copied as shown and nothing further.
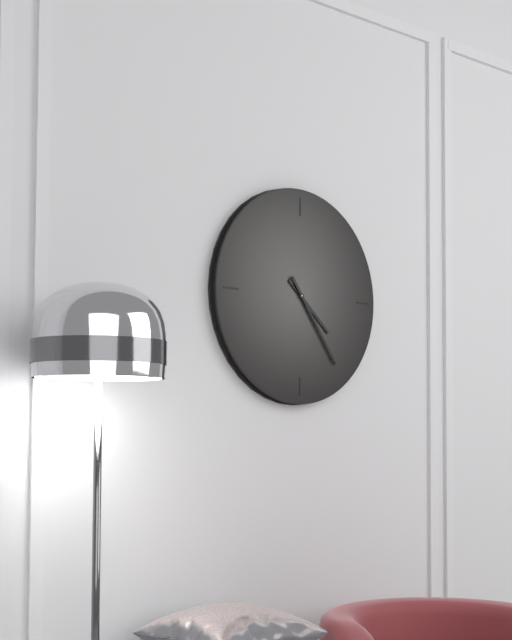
4:24
